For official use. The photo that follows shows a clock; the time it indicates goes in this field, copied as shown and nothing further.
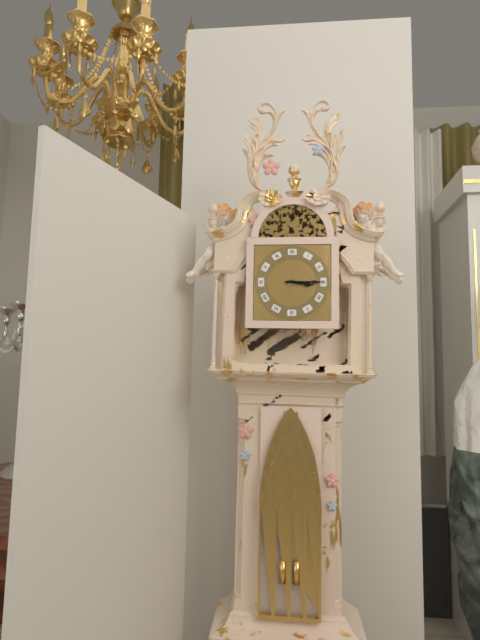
3:15
